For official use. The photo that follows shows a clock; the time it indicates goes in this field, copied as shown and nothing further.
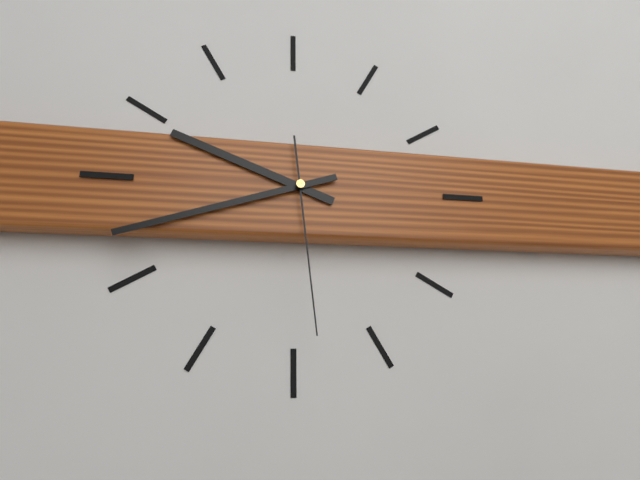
9:42:29
